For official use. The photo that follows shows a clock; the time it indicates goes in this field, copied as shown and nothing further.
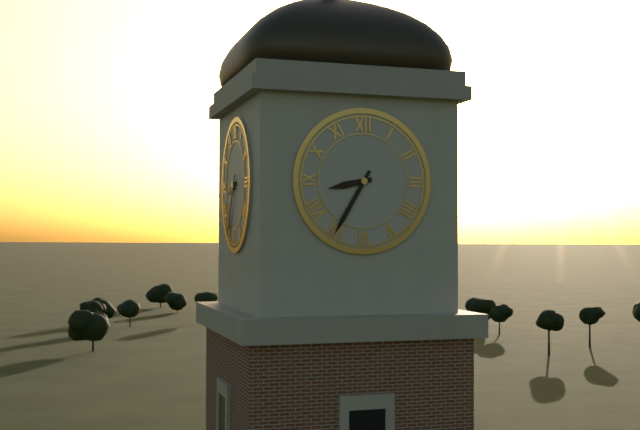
8:35
